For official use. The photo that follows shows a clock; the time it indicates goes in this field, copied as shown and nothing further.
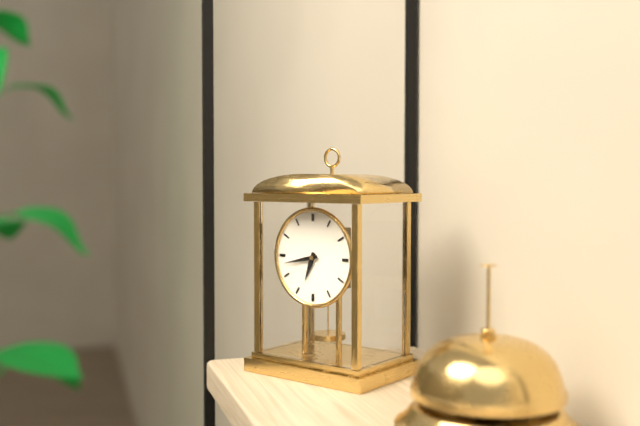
6:43
